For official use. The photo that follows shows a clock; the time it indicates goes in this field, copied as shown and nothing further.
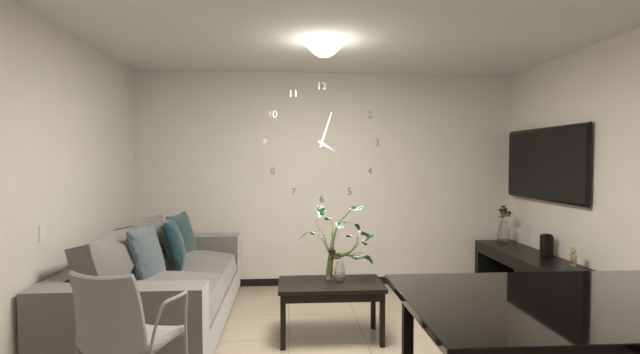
4:03
